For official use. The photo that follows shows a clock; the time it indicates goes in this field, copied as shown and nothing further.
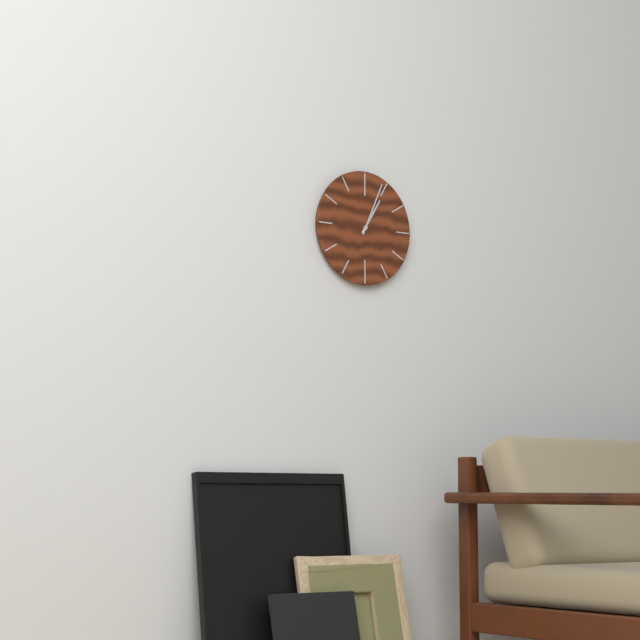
1:04
